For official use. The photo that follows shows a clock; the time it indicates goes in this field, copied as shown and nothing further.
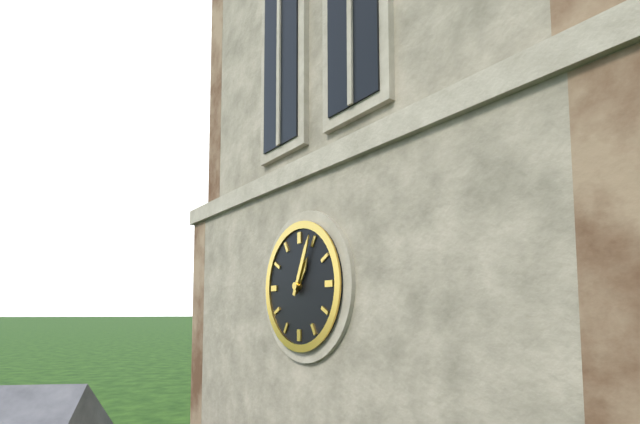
1:04
